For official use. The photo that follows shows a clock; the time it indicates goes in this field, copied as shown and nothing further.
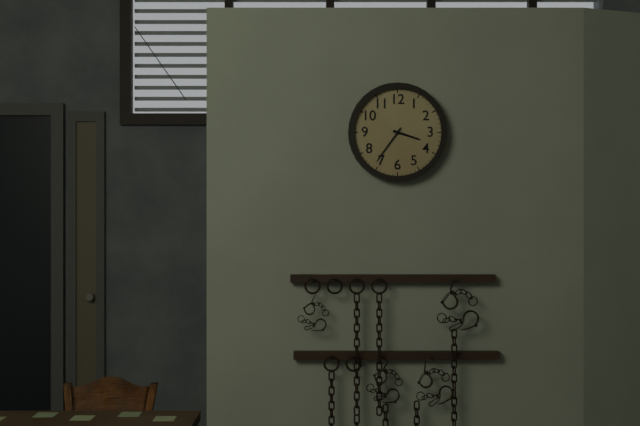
3:36
